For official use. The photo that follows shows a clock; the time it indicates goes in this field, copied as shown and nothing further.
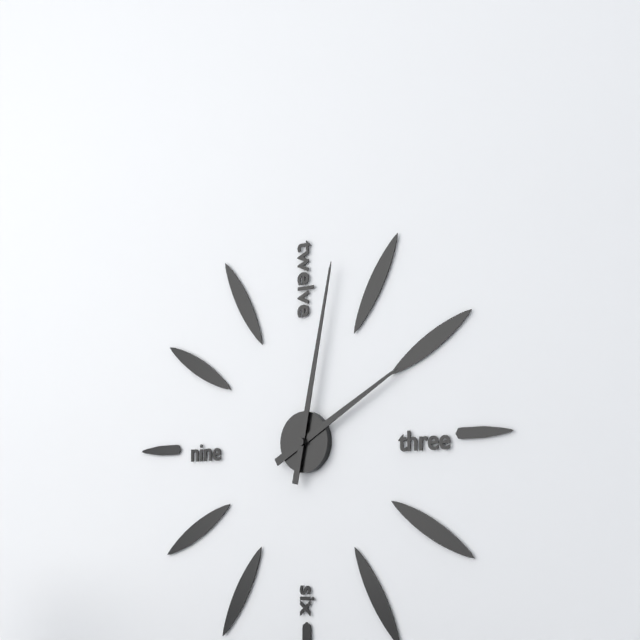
2:02
